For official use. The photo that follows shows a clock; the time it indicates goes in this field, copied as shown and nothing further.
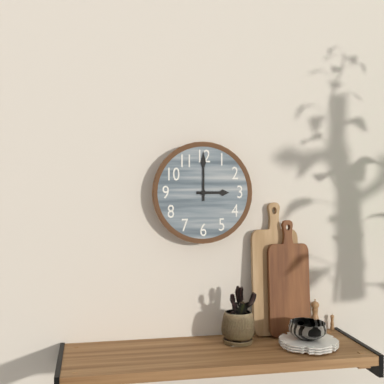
3:00
